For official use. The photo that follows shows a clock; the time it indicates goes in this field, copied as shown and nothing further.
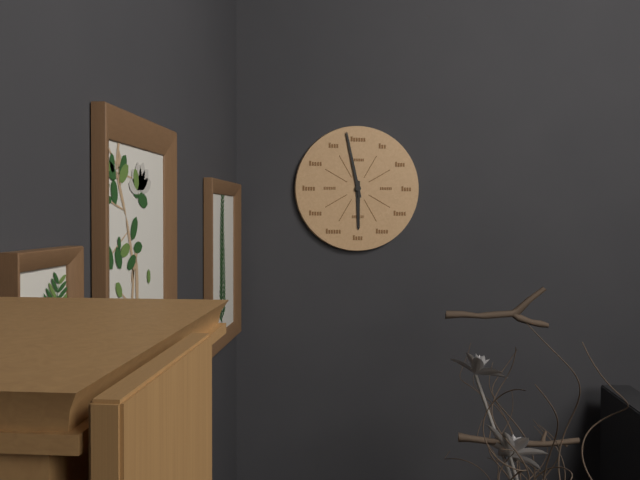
5:58
